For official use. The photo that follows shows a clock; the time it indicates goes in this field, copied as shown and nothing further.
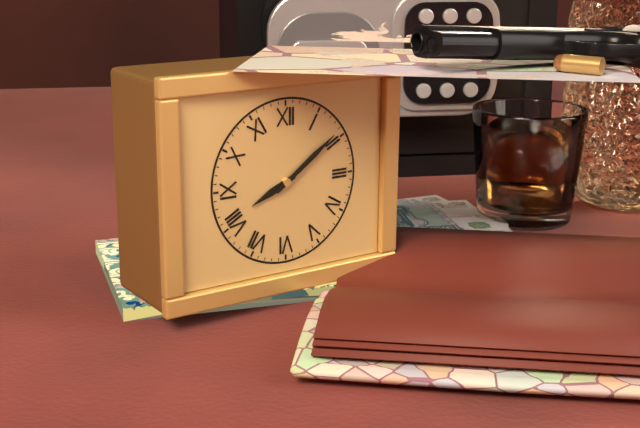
8:09
